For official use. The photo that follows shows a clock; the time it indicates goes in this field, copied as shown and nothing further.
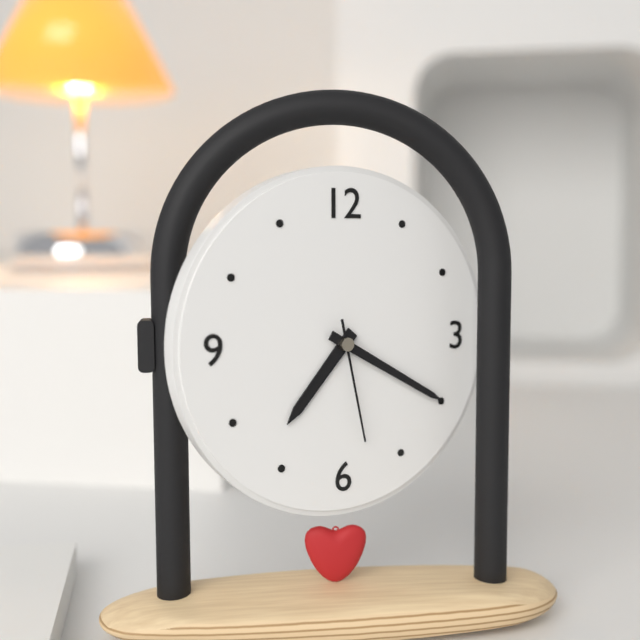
7:20:28
